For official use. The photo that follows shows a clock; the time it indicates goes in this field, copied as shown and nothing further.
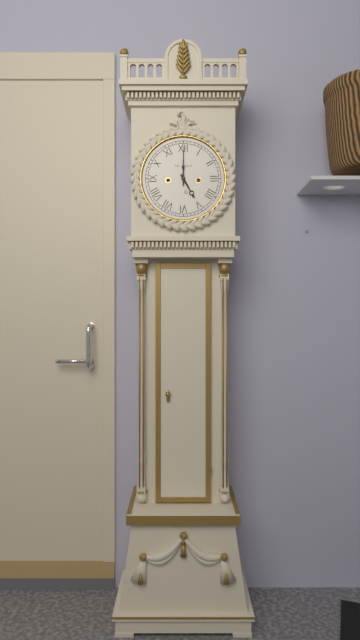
5:00
